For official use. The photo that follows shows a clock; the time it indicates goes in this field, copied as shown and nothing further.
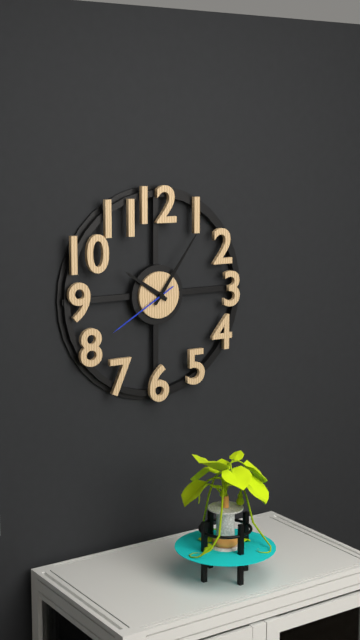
10:06:40
